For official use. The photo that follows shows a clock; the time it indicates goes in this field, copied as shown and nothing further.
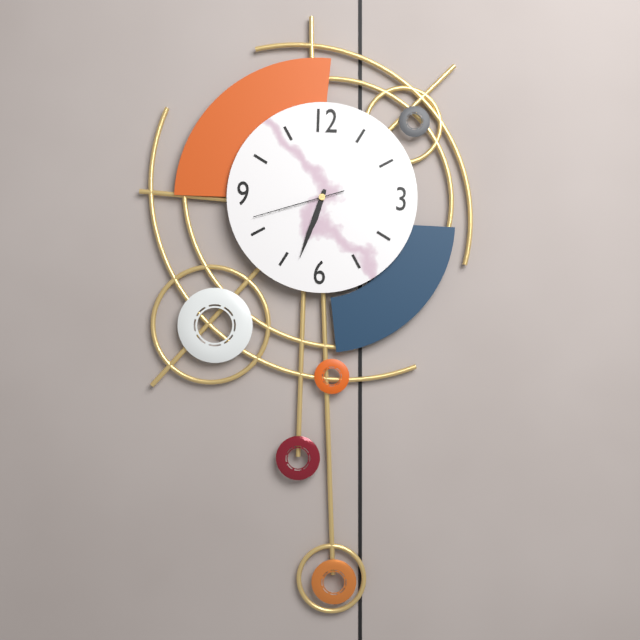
6:33:42
